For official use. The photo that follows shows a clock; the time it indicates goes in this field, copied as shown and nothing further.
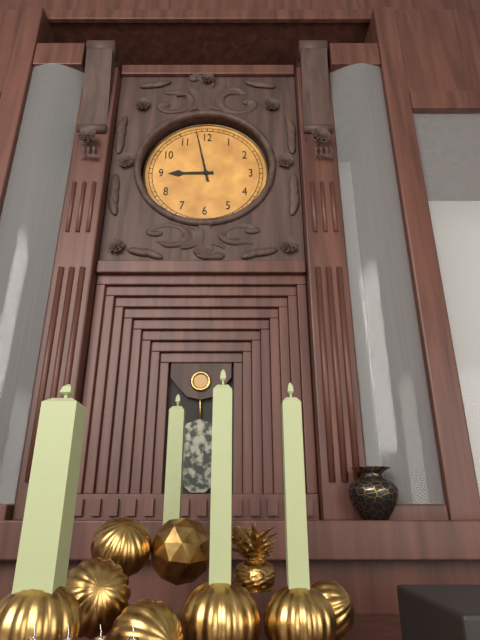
8:58
